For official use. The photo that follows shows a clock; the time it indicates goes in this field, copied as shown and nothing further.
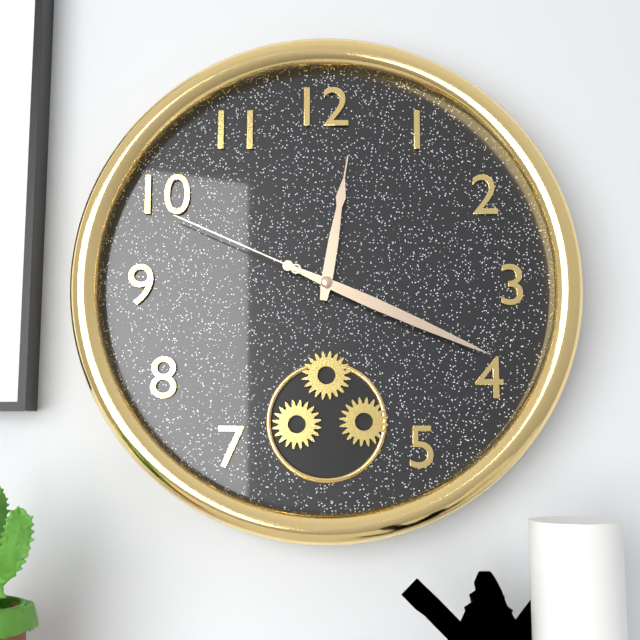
12:19:49
